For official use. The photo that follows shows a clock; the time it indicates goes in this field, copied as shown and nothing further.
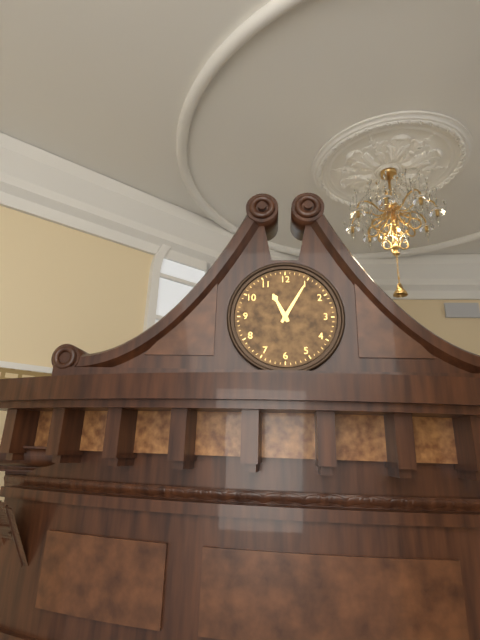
11:05
